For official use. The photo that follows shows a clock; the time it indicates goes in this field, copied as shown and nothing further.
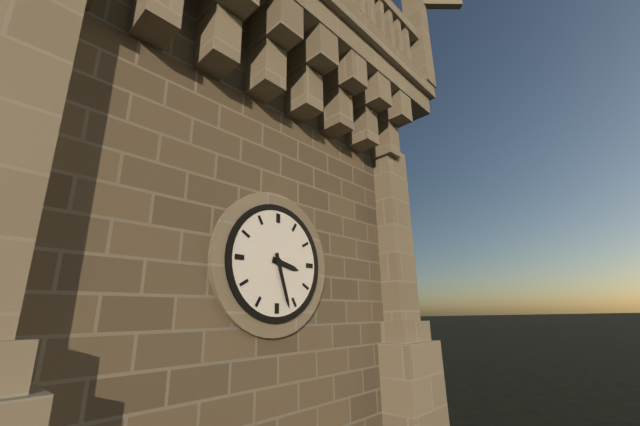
3:27
